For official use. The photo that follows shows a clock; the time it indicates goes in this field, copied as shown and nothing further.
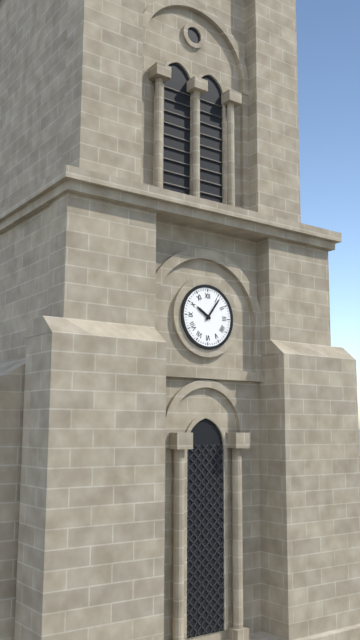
10:06
